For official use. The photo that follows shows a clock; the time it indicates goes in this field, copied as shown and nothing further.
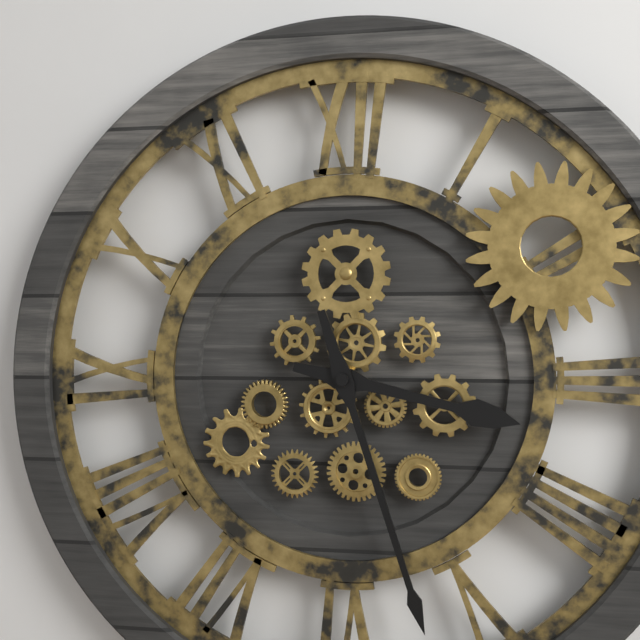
3:27
